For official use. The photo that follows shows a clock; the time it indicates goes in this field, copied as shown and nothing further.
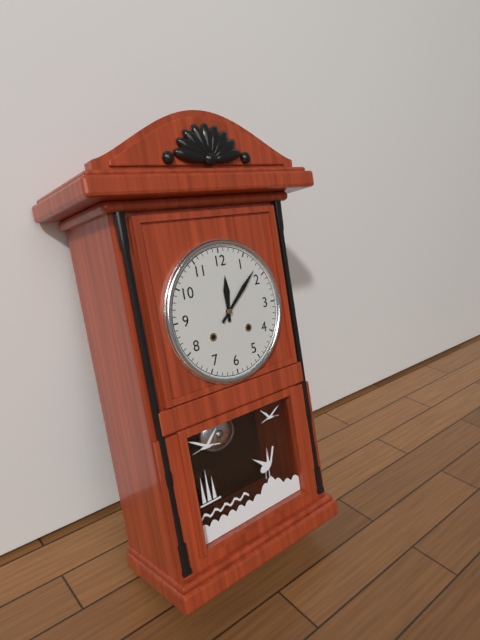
12:08
